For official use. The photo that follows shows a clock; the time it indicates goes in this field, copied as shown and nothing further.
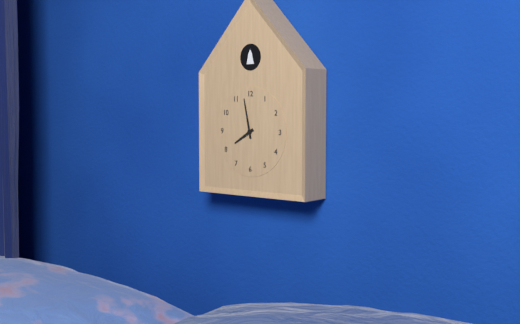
7:58
